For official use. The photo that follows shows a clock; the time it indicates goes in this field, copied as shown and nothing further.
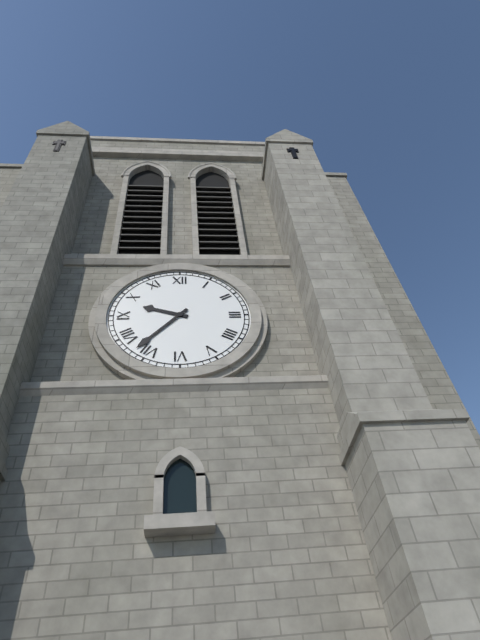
9:37
